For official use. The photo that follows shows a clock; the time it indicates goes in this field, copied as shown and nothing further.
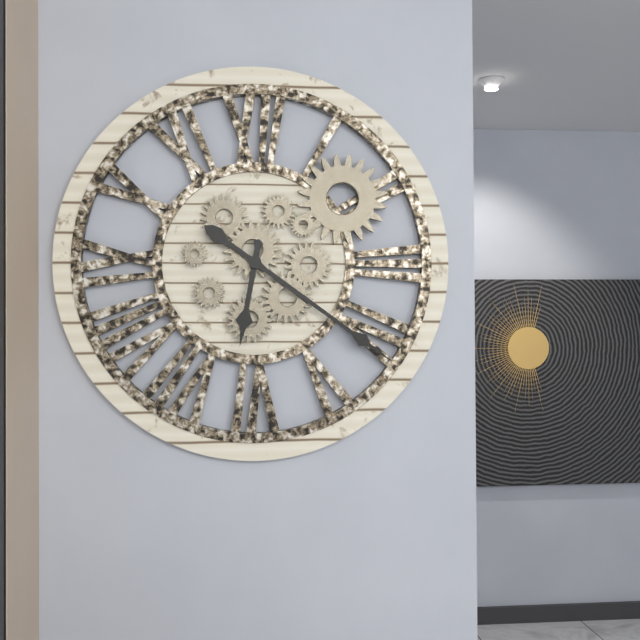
6:21
